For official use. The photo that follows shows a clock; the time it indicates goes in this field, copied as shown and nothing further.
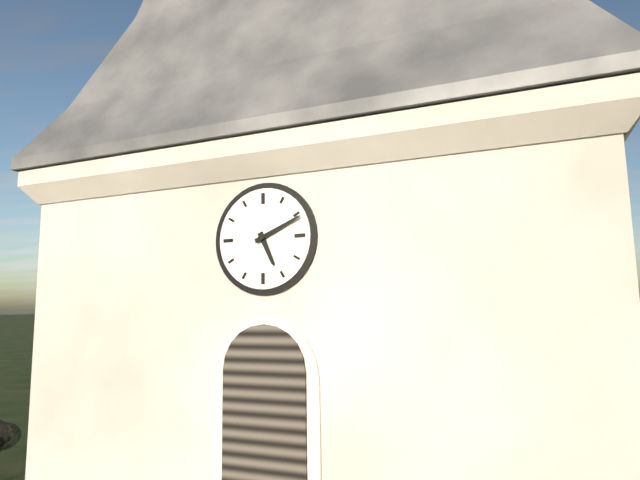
5:11
